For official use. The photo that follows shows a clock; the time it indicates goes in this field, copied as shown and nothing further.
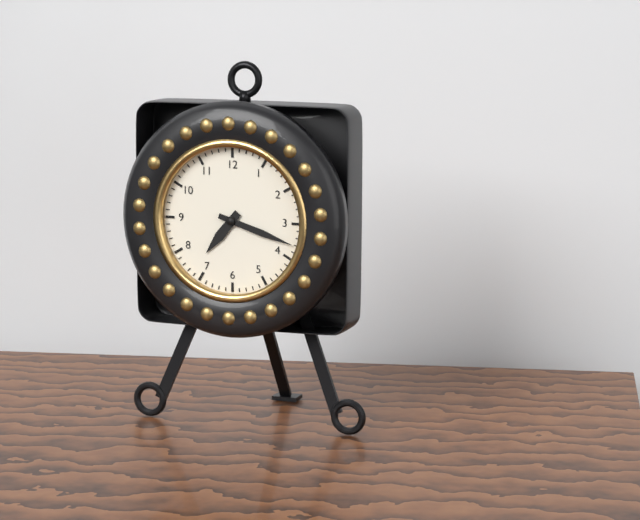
7:18
